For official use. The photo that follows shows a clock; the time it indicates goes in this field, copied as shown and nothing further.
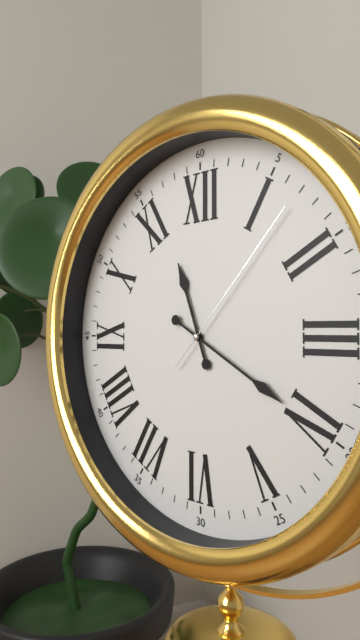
11:20:07
